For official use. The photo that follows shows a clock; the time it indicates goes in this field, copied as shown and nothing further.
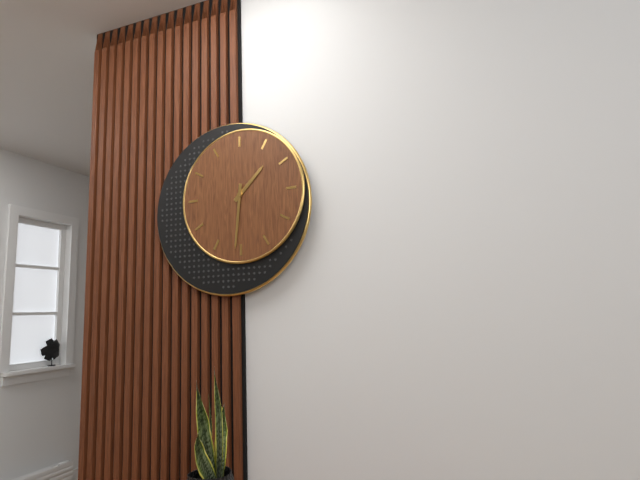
1:31
